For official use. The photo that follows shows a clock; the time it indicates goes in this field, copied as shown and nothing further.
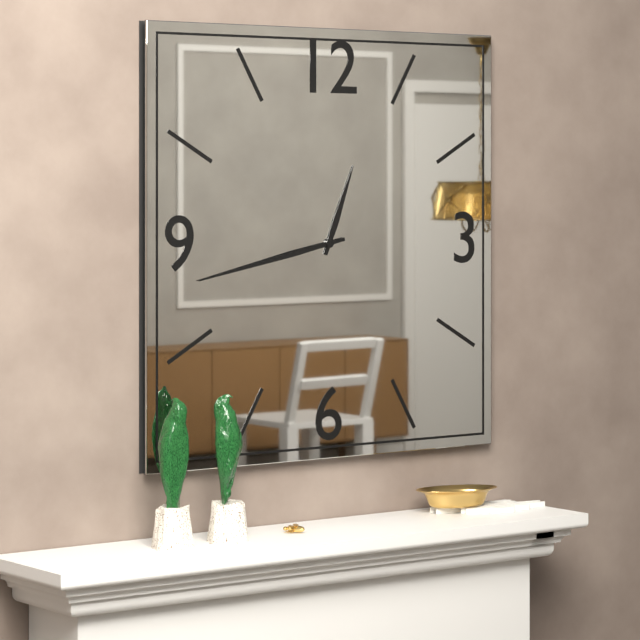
12:43
